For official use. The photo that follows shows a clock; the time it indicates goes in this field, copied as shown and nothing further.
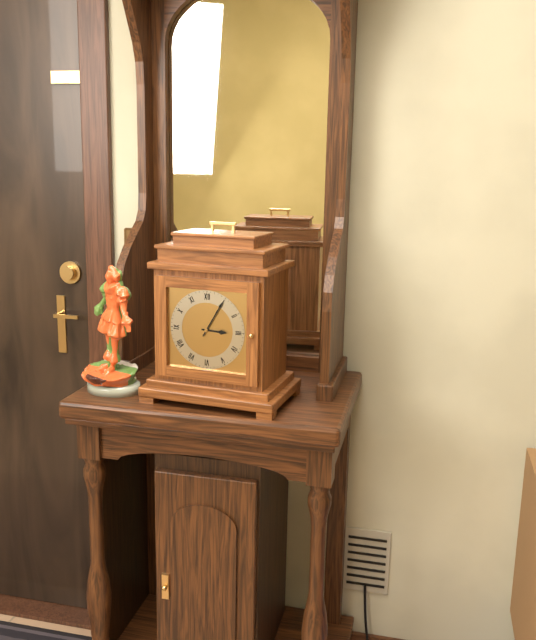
3:05
